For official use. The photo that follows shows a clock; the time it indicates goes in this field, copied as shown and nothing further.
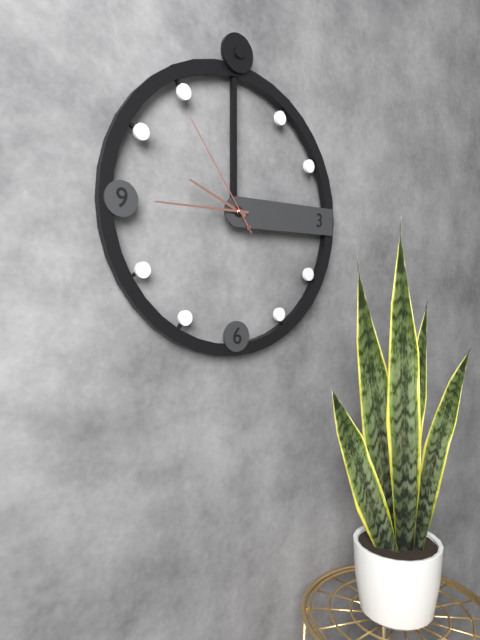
9:45:54
